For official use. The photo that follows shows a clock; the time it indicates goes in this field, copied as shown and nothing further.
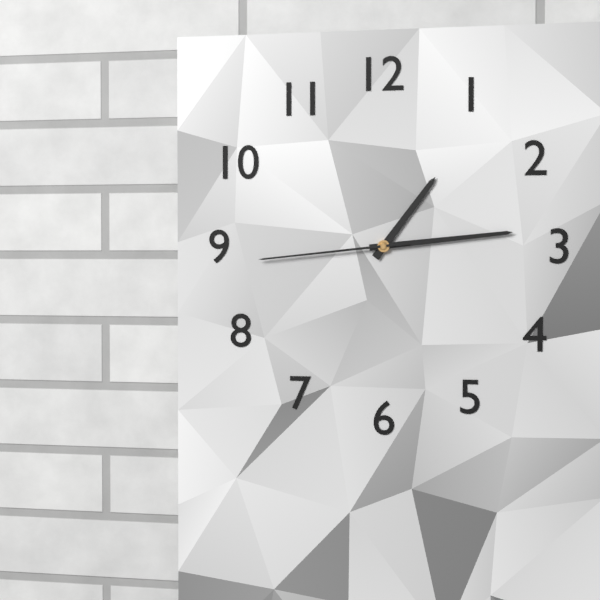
1:14:44
